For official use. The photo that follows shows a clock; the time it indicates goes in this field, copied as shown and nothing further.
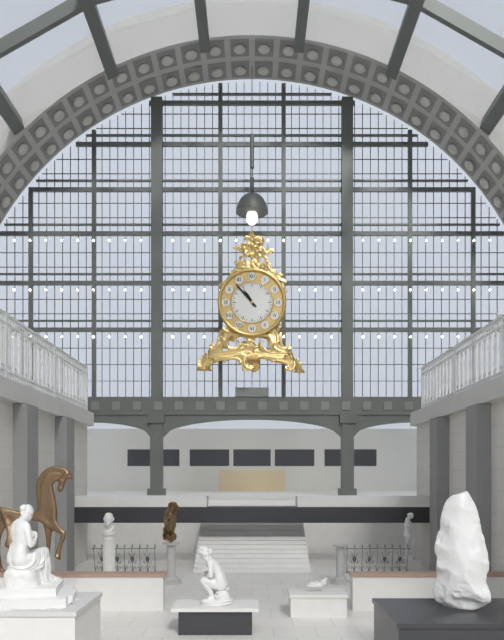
10:53
